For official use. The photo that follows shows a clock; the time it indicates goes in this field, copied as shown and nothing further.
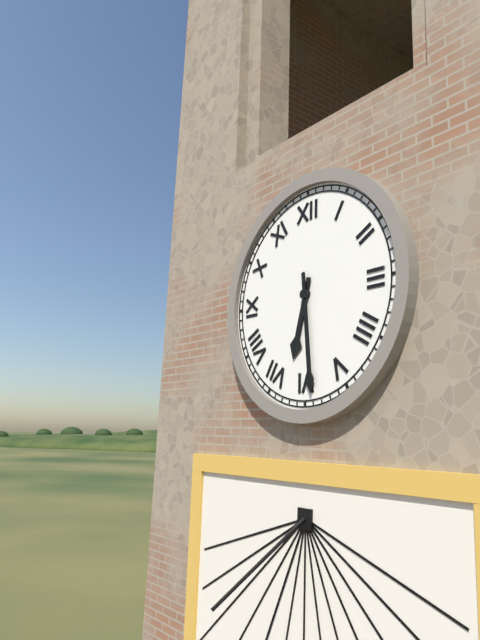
6:29
